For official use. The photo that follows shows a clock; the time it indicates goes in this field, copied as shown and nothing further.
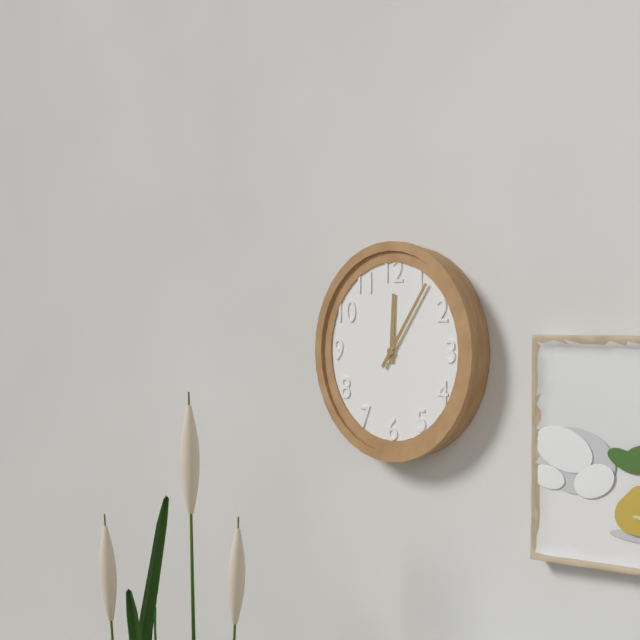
12:06
